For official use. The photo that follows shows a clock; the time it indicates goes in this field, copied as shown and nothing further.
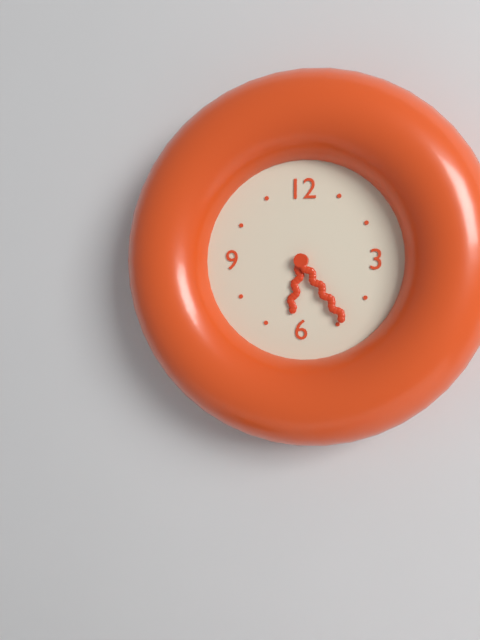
6:24
